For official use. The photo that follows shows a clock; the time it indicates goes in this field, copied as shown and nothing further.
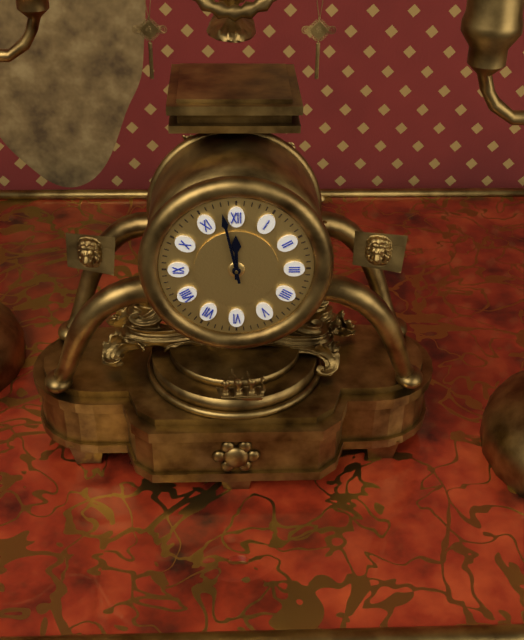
11:58
